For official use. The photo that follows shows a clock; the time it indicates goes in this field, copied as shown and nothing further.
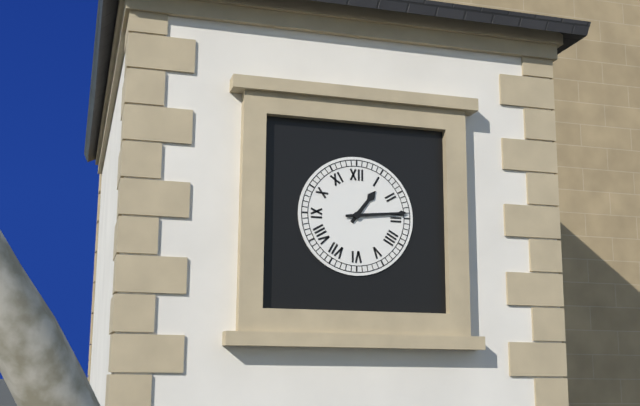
1:14
